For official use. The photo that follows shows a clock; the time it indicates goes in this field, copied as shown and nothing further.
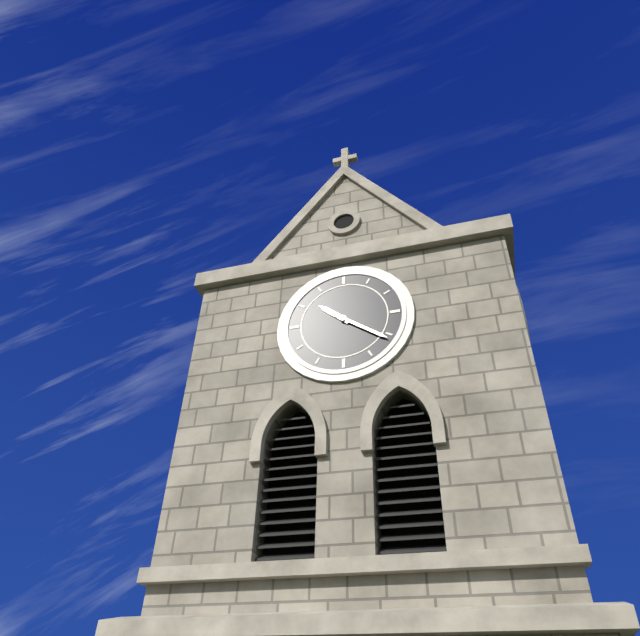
10:21
